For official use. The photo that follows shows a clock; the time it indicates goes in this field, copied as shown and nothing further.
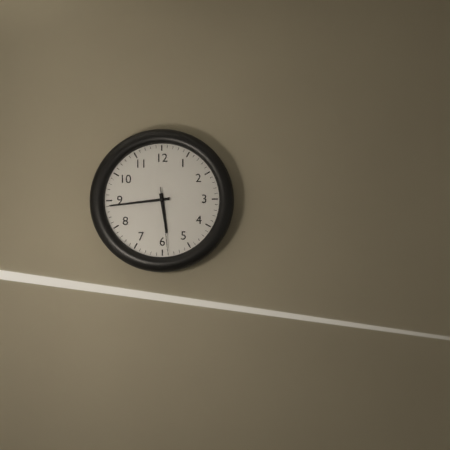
5:44:29
